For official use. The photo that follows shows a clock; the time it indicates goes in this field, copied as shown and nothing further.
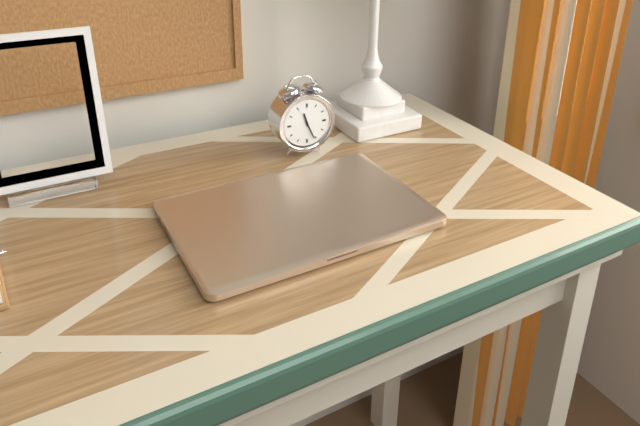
11:26
